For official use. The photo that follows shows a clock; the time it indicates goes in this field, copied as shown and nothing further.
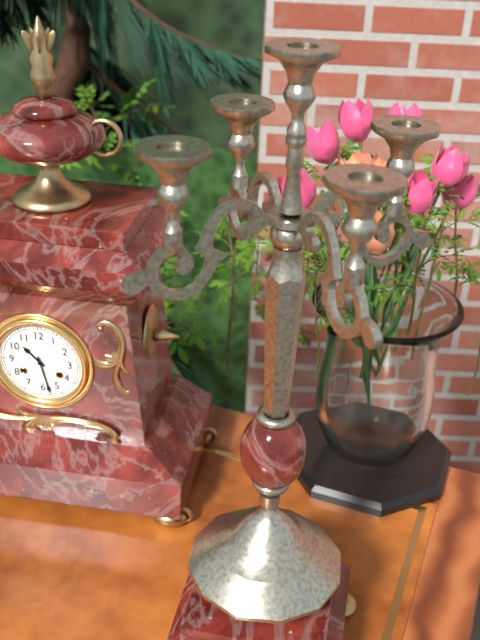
10:28
